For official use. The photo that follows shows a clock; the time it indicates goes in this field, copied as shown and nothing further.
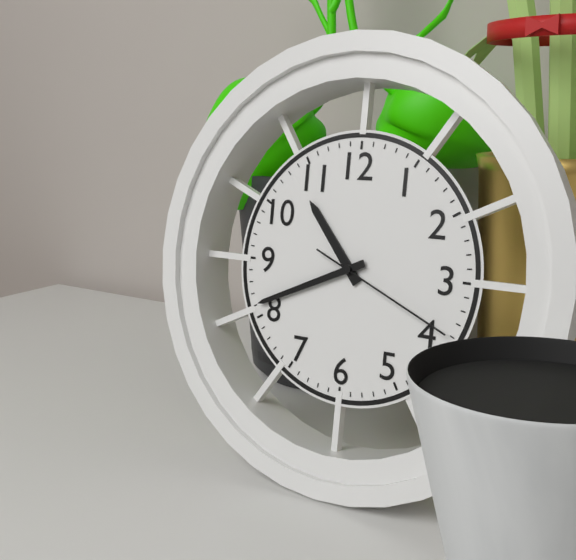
10:41:19
